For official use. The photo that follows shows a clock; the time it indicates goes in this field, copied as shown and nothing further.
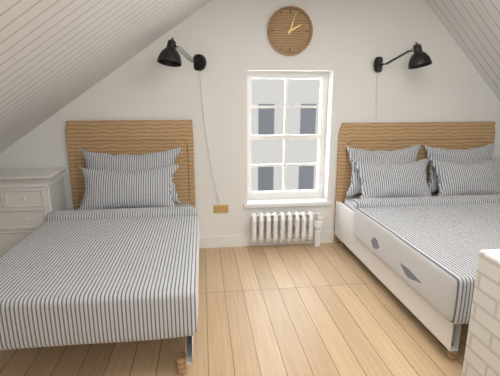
2:03
